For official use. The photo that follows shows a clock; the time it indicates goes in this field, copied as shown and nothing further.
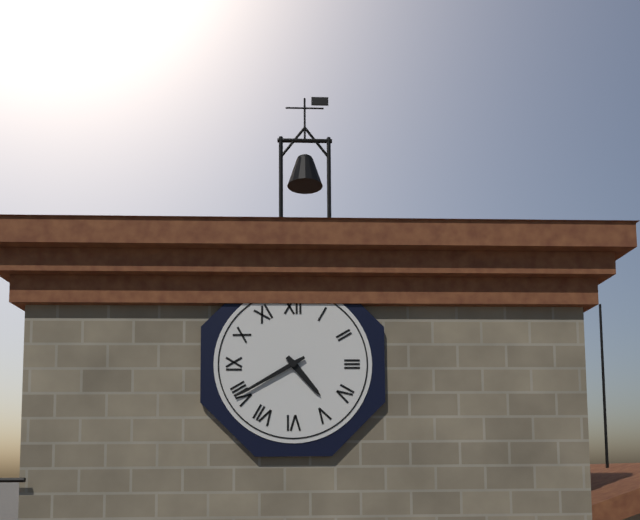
4:40
